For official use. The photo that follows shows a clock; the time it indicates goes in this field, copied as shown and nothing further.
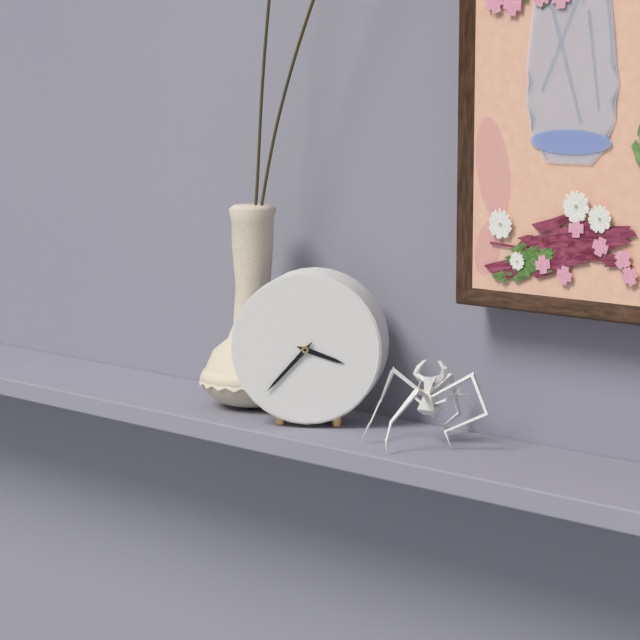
3:37
